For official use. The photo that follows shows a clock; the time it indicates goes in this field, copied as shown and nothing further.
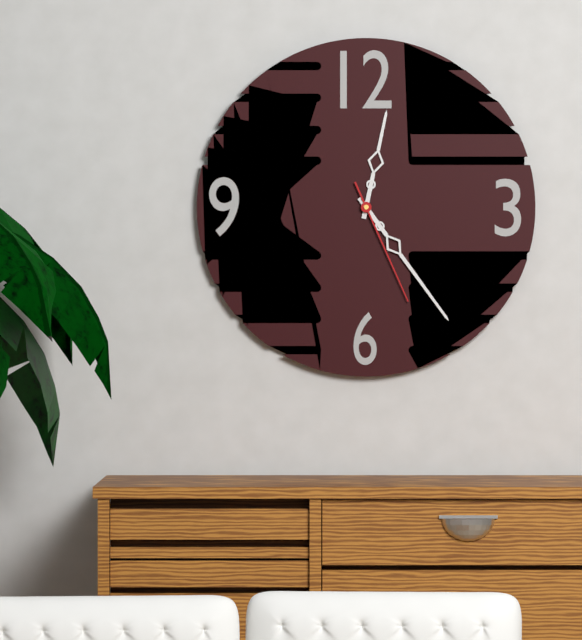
12:24:26
